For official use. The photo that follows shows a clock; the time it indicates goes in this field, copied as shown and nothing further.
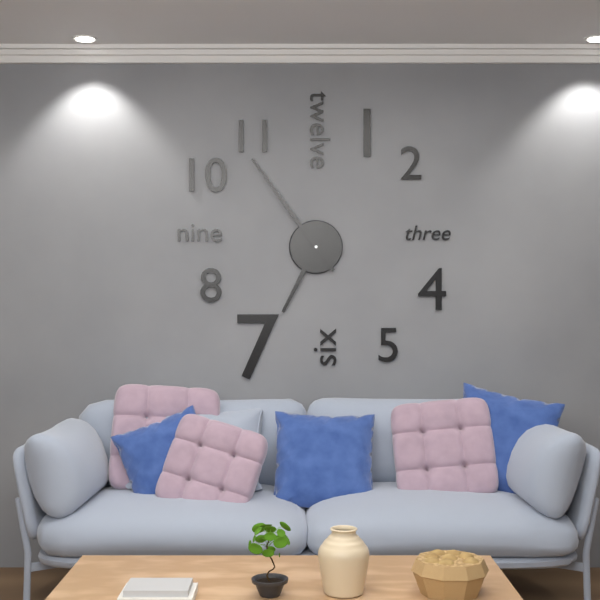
6:54
